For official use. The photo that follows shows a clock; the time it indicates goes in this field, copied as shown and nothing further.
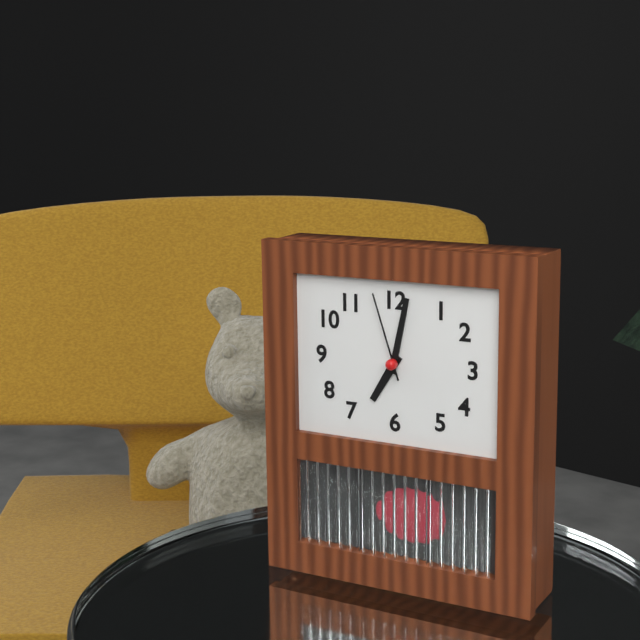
7:02:57
